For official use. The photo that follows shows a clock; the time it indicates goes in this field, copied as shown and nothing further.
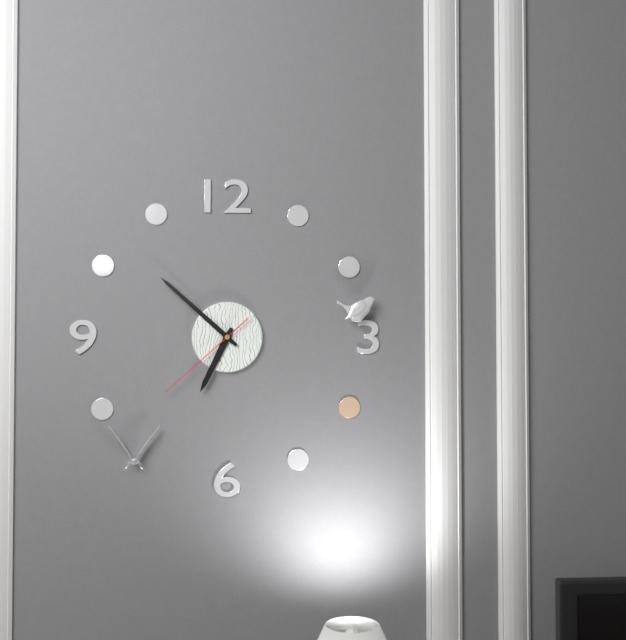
6:52:38
